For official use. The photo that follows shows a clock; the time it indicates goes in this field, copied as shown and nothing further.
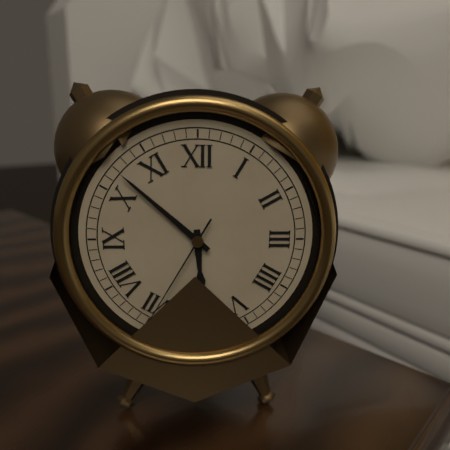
5:52:35
